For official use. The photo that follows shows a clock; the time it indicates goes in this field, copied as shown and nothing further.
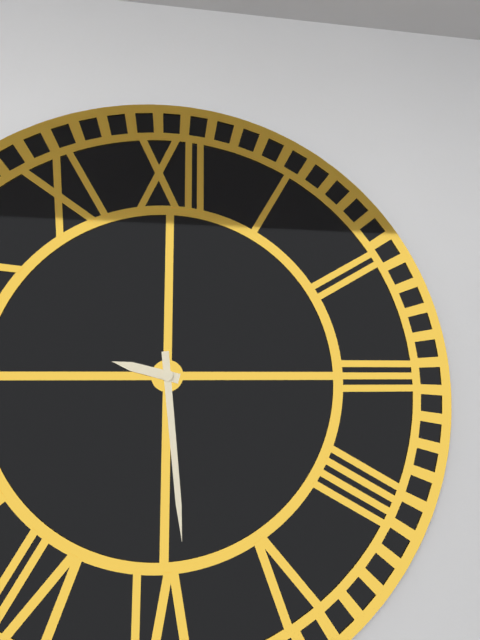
9:29
